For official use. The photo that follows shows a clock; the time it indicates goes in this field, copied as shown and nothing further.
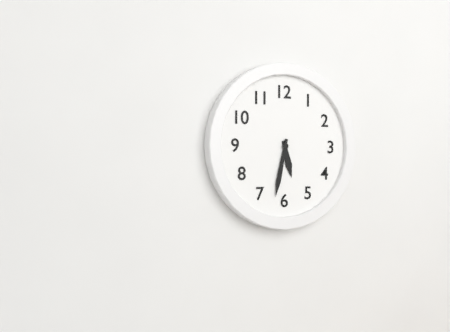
5:32
